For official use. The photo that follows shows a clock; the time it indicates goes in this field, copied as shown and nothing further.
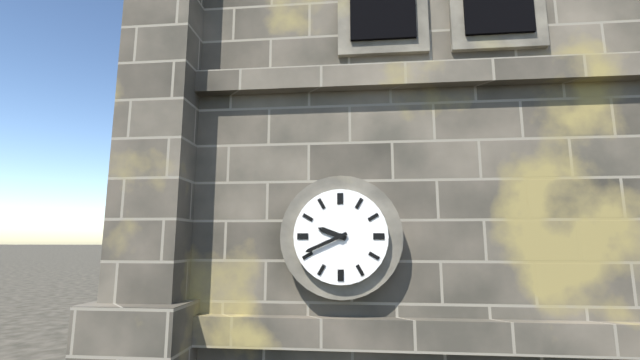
9:41
